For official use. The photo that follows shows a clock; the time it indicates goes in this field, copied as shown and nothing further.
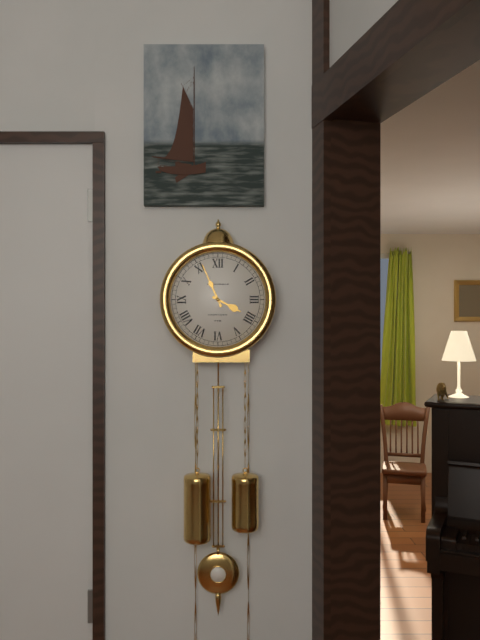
3:56
